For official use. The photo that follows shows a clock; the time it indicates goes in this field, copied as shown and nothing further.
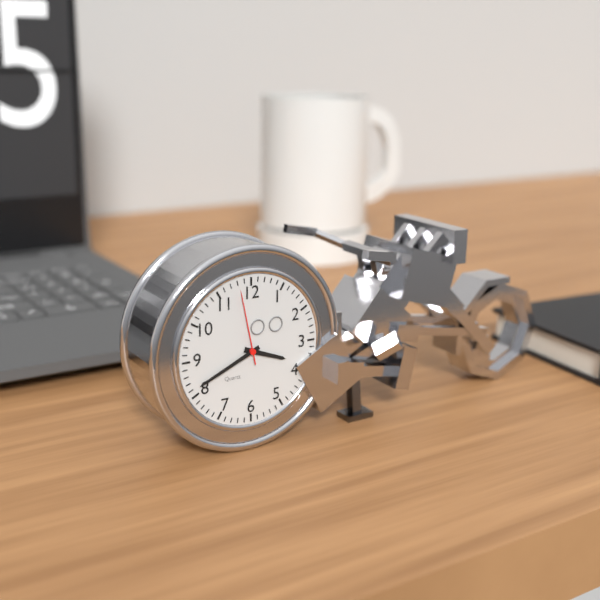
3:41:58
